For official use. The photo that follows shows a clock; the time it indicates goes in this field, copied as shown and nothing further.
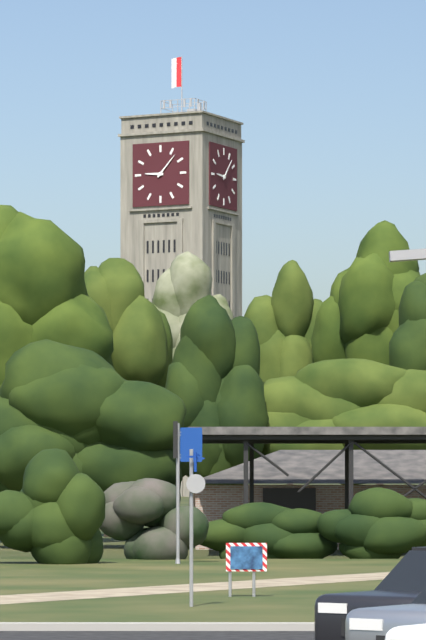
9:07
